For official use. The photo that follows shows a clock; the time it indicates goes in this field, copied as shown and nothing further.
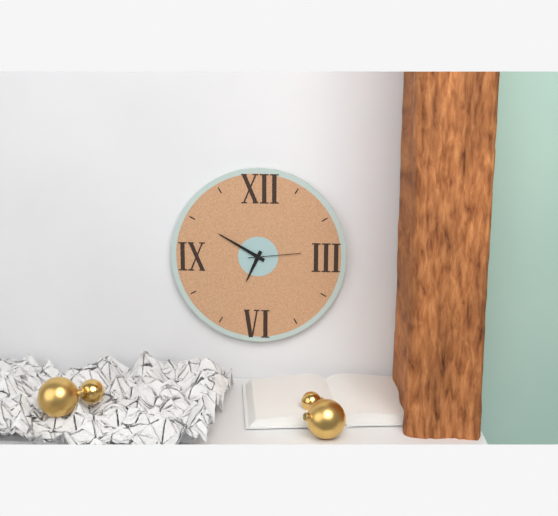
6:50:14
